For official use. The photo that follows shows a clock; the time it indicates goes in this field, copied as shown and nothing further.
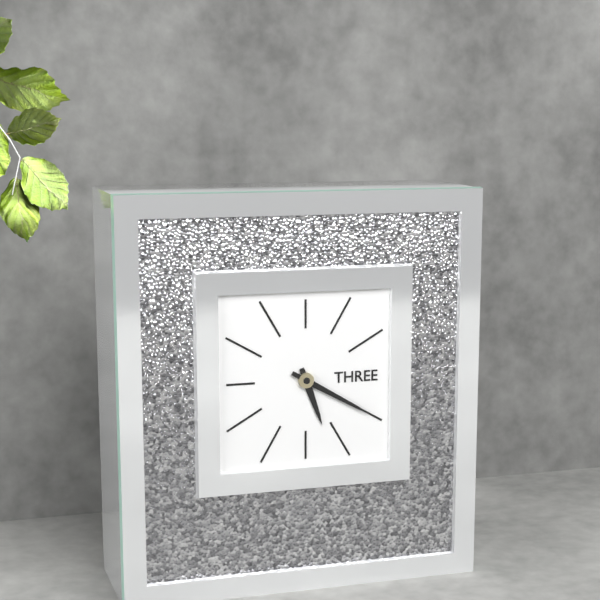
5:20
